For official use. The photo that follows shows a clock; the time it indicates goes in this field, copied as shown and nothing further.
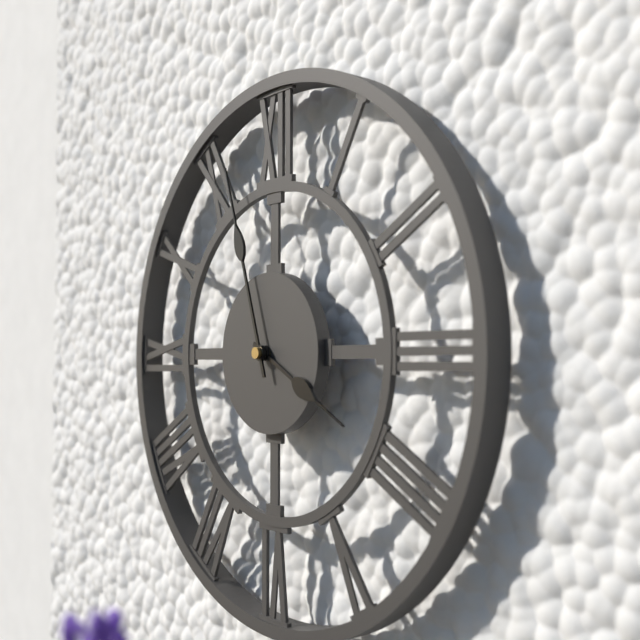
3:57
